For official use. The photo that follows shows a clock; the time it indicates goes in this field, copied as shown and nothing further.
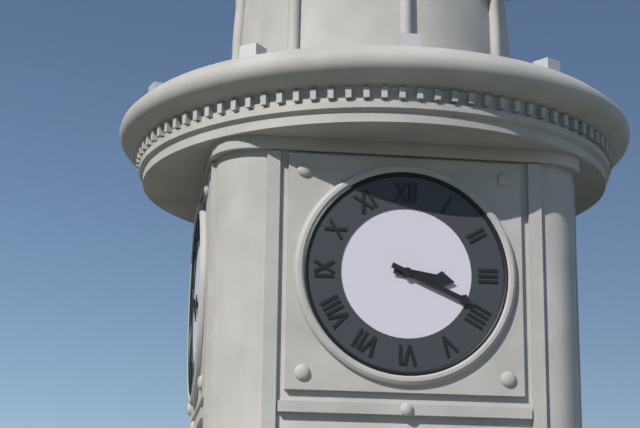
3:19
